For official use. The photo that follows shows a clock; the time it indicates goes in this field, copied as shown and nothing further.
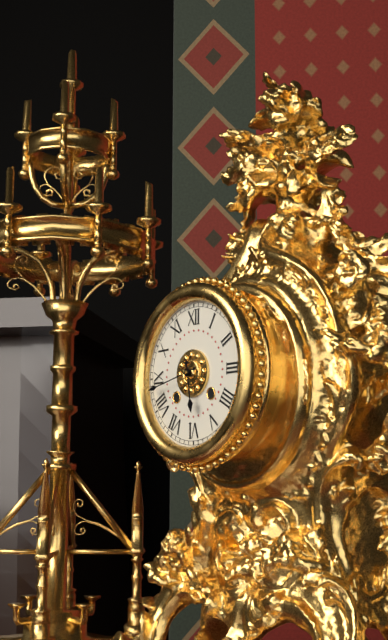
5:43
